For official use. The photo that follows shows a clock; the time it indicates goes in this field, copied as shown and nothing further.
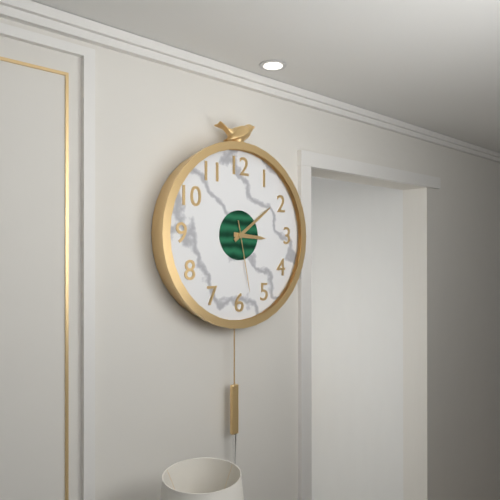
3:09:28
